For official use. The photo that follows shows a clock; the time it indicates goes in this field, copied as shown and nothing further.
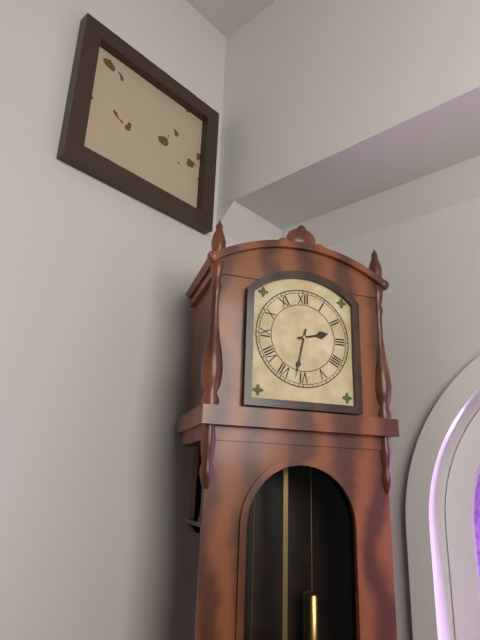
2:32
